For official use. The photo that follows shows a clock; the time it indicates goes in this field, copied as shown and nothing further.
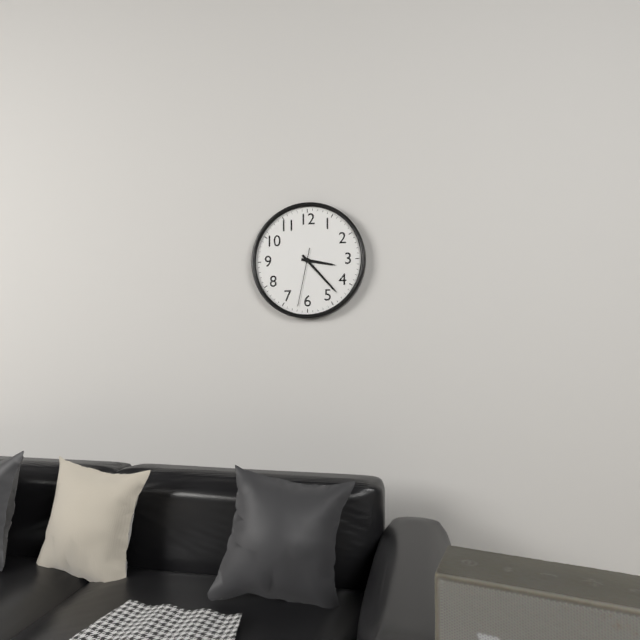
3:23:32
